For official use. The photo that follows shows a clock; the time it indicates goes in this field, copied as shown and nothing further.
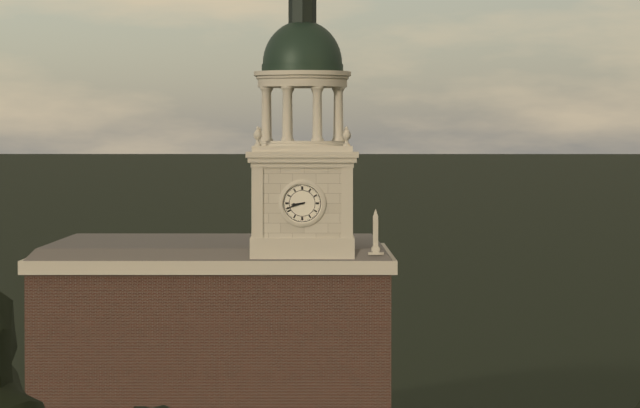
8:42
